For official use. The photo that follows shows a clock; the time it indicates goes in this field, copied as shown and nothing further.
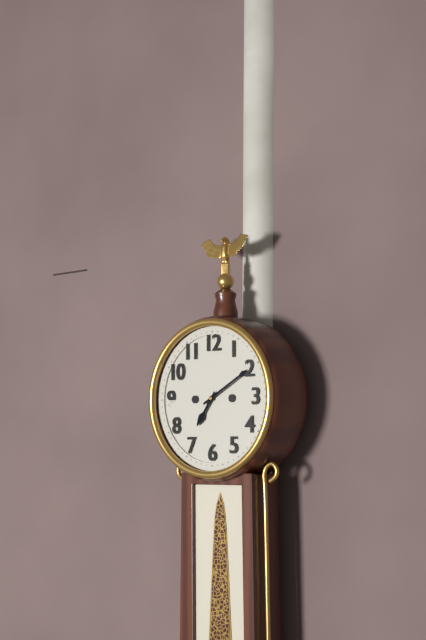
7:10
